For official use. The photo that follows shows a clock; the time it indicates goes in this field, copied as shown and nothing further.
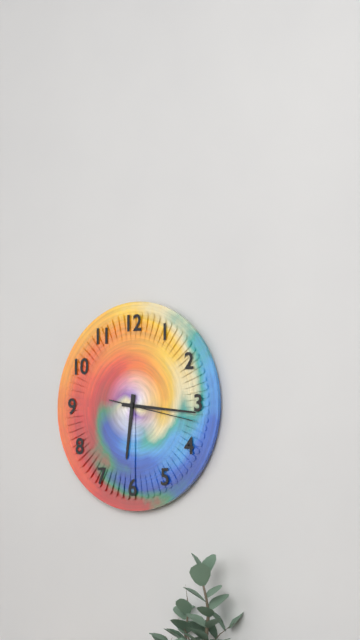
6:16:17
